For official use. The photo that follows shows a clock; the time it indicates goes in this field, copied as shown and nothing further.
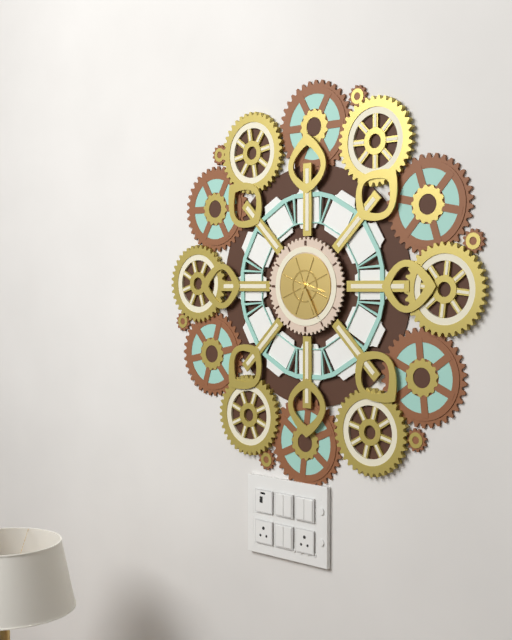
3:25
